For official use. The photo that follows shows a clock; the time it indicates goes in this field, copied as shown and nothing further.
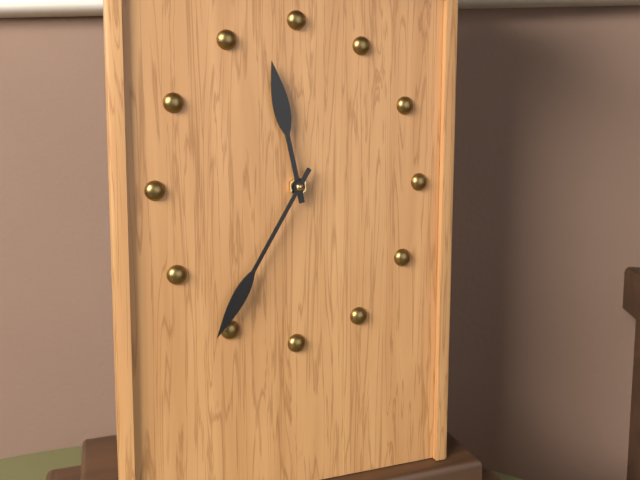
11:35
